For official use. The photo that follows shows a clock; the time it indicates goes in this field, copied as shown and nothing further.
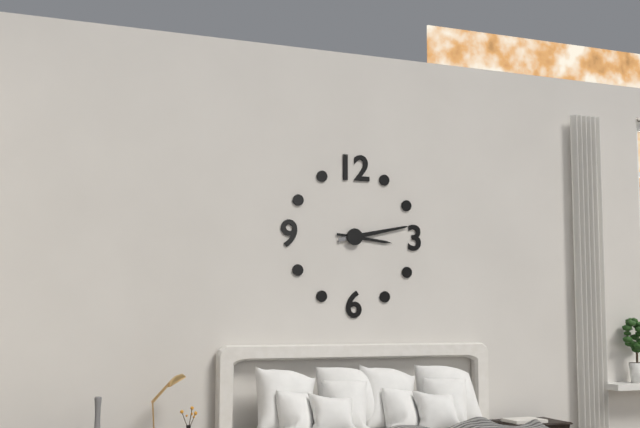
3:13
